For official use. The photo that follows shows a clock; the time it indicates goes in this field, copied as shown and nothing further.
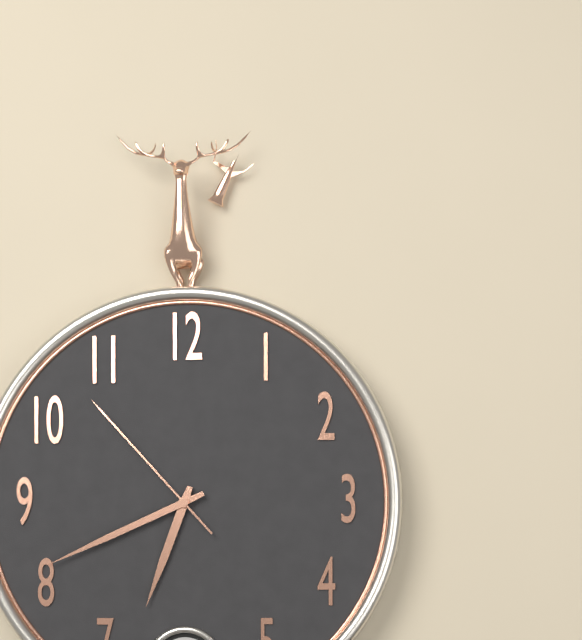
6:41:53
